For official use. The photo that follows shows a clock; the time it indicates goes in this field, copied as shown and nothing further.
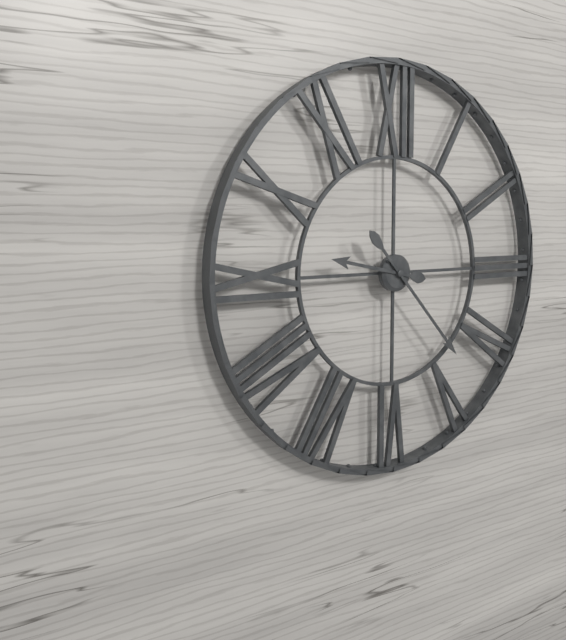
9:23
